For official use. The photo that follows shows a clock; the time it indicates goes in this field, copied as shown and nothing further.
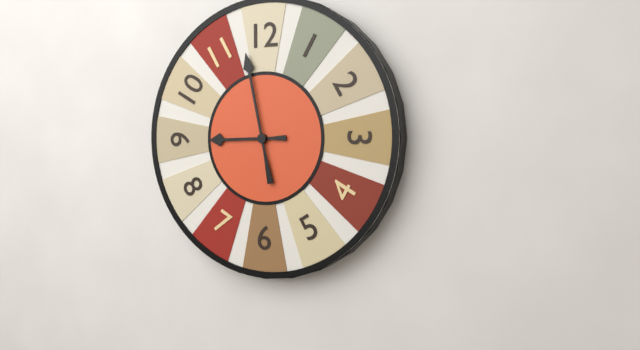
8:58
